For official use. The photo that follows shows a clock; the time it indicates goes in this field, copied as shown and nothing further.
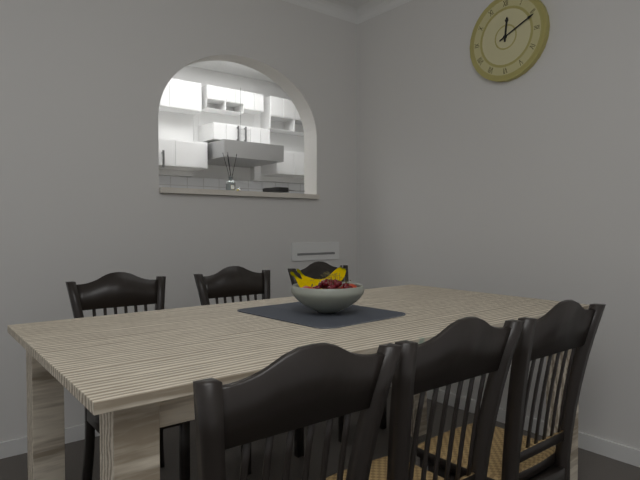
12:11
